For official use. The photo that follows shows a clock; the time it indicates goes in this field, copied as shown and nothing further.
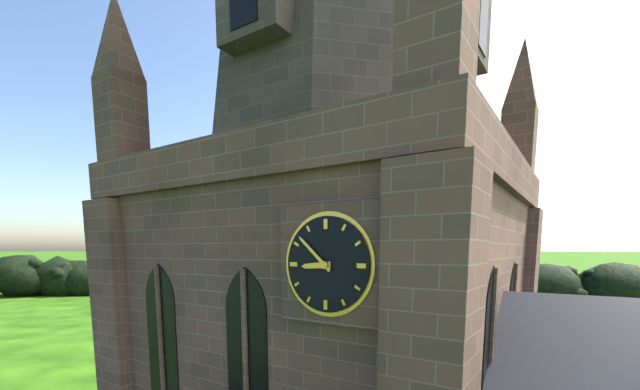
8:52
